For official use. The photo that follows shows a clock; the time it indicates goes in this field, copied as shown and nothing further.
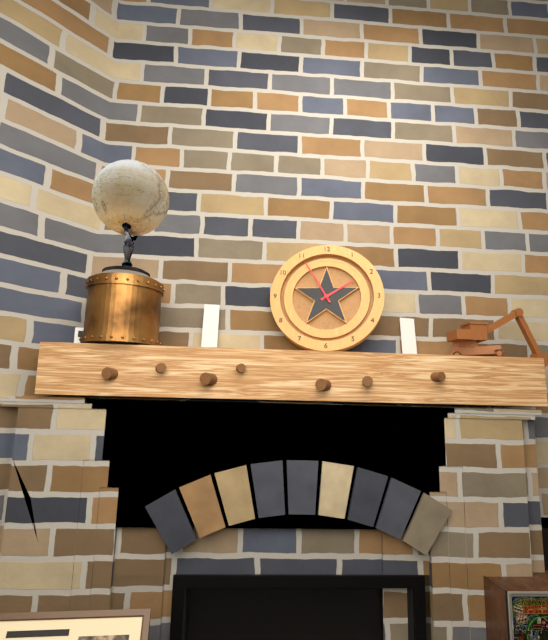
1:55
